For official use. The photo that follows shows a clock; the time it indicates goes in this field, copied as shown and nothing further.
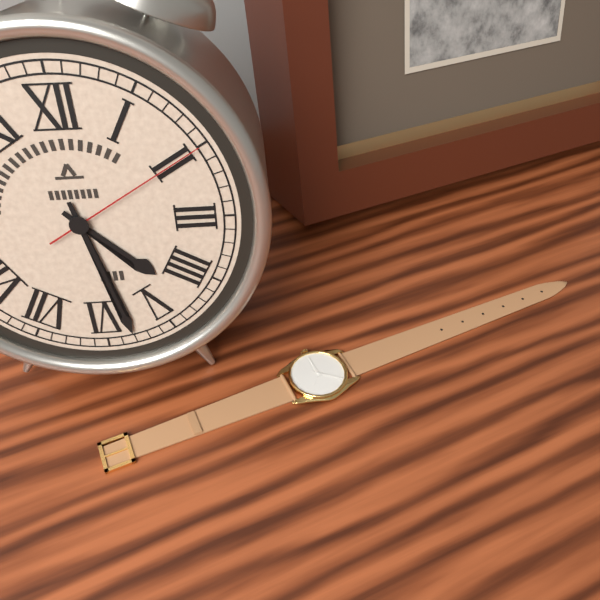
4:28:10
